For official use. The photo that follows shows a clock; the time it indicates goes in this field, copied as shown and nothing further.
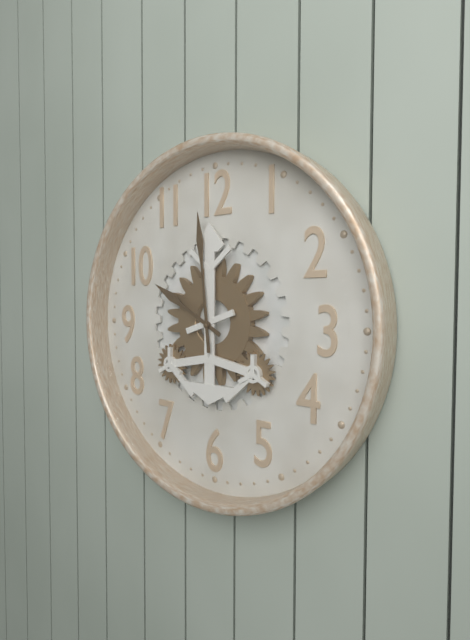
9:59
